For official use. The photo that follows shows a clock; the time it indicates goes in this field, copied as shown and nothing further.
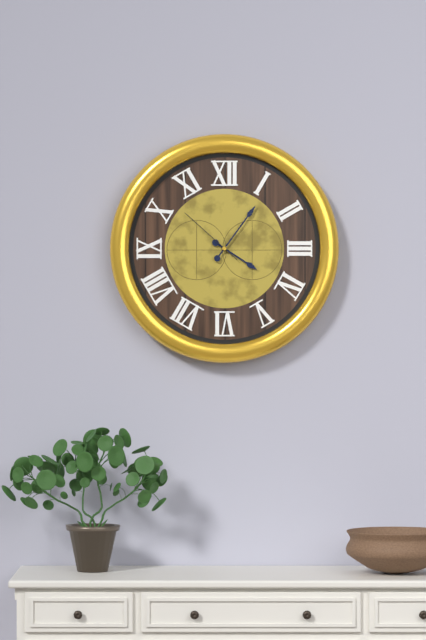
4:06:52
